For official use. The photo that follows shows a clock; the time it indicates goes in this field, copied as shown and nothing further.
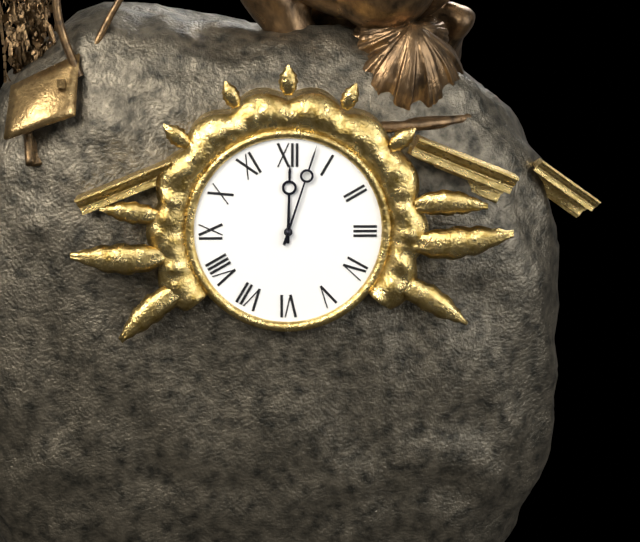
12:03
